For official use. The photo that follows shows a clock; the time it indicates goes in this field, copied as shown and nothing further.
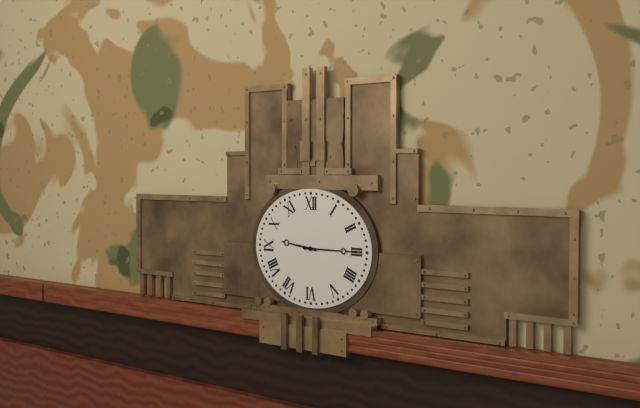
9:15
